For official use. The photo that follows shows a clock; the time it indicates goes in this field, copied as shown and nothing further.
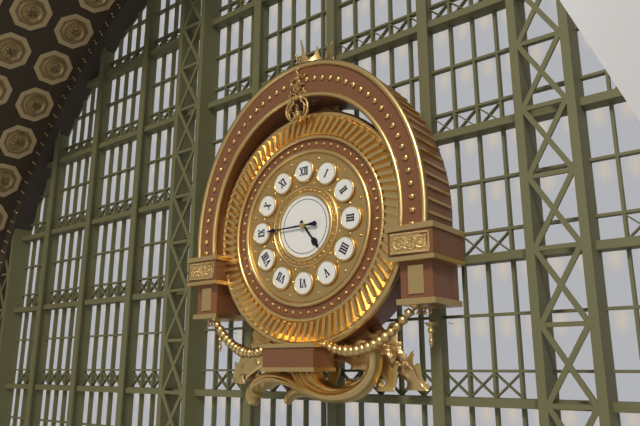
4:45
